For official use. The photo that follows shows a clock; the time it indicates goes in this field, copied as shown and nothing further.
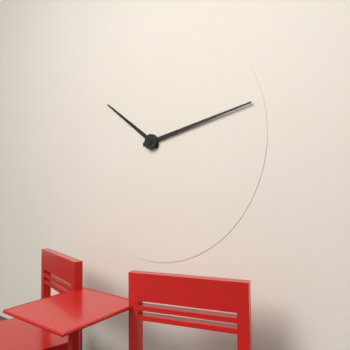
10:13
